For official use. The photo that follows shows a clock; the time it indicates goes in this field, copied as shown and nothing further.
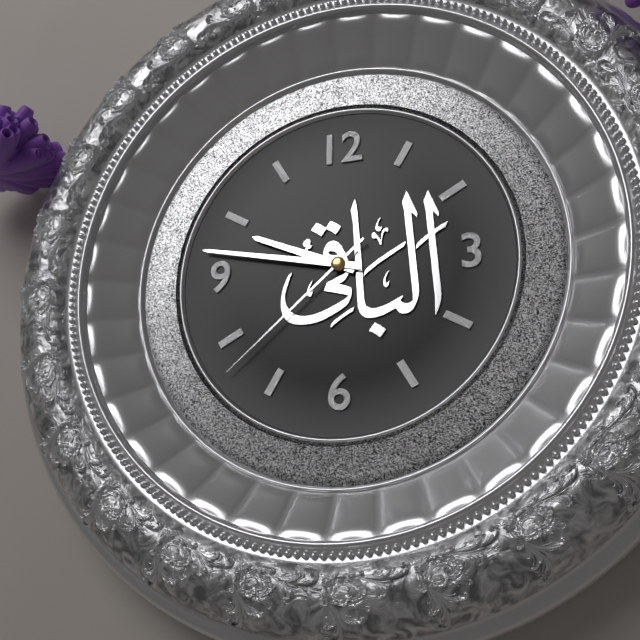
9:47:38
